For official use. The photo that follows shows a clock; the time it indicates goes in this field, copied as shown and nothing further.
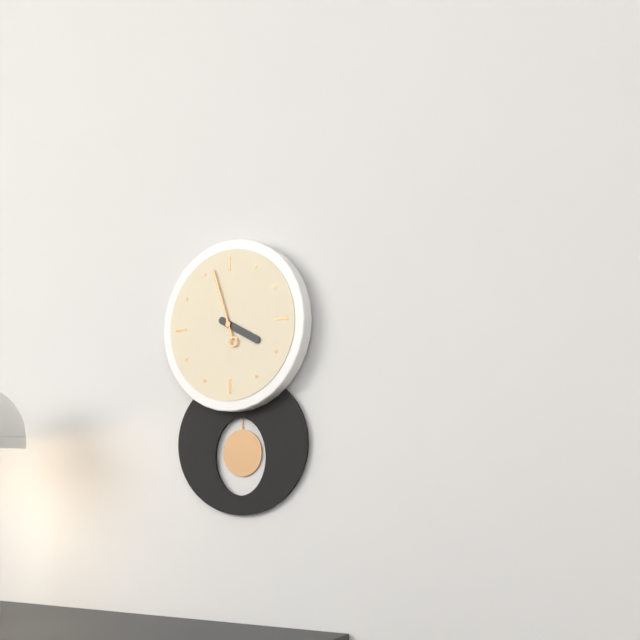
3:57
